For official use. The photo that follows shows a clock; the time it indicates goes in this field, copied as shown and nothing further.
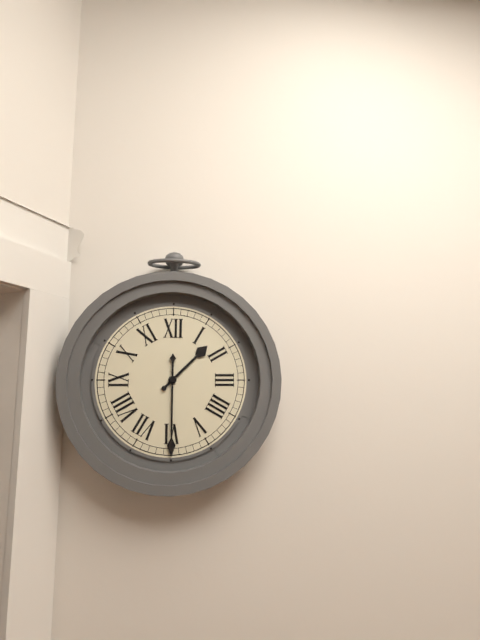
1:30
